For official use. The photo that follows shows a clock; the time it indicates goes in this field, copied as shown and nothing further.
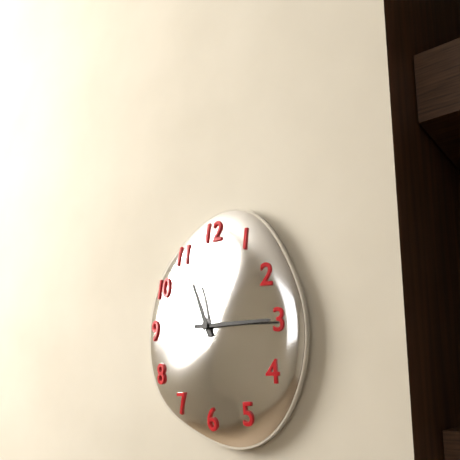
11:15
